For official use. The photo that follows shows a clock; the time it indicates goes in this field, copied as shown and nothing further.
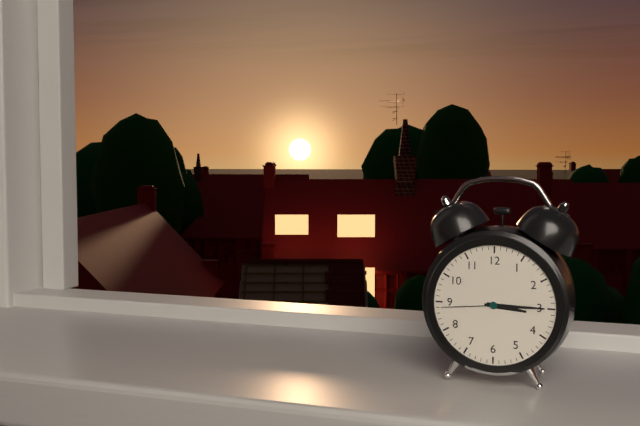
3:15:44
